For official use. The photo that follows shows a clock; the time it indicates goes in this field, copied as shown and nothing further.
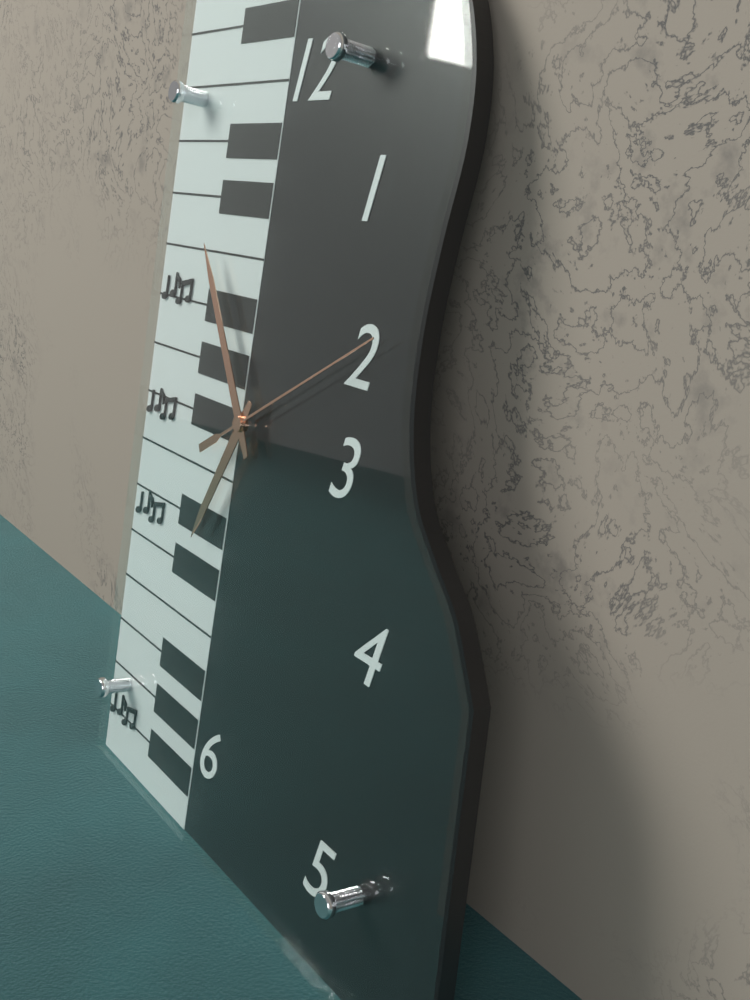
6:54:10
